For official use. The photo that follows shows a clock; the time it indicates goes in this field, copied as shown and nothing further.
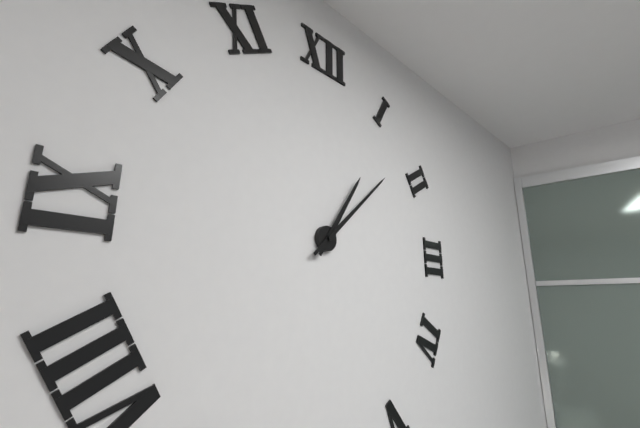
1:08
